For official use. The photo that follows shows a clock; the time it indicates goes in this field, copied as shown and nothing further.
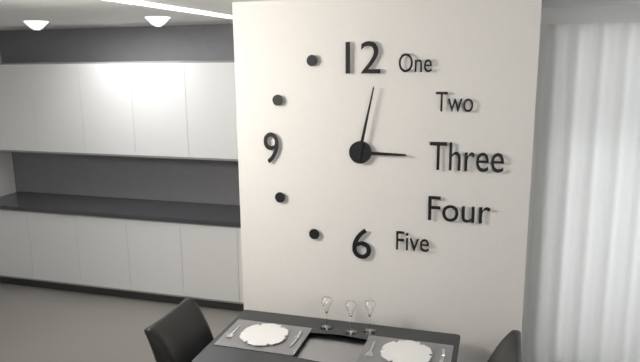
3:02
